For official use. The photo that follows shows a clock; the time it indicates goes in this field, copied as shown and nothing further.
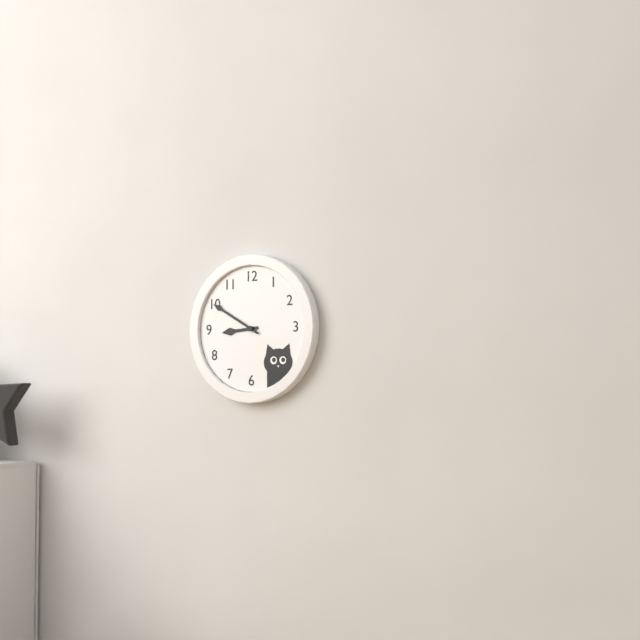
8:50
